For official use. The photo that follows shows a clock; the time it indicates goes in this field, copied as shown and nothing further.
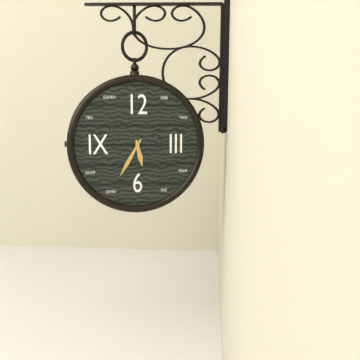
5:35
